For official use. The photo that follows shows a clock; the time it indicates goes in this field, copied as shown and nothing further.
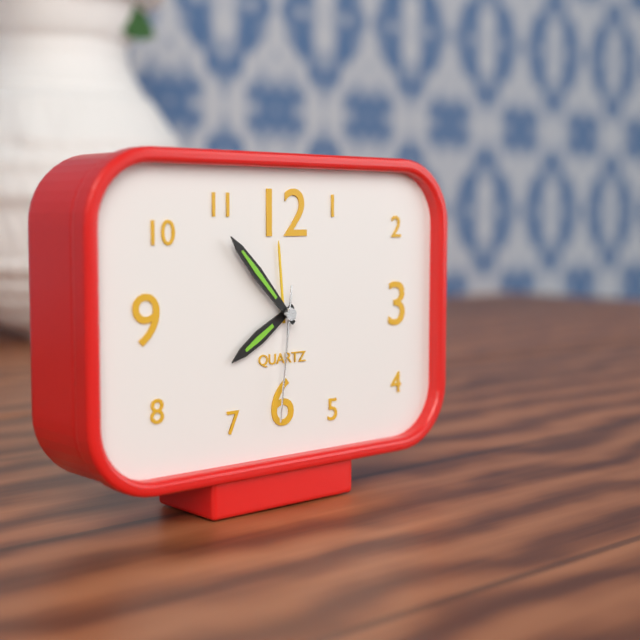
7:53:31
